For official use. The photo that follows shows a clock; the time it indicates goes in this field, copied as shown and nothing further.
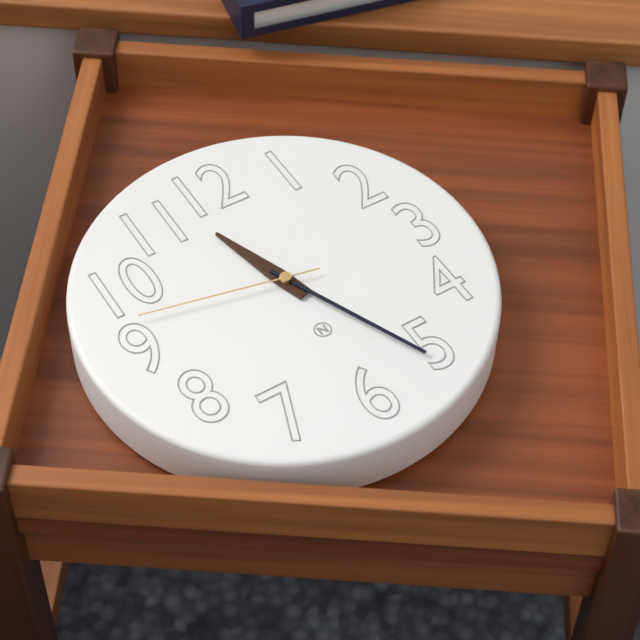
11:26:47
